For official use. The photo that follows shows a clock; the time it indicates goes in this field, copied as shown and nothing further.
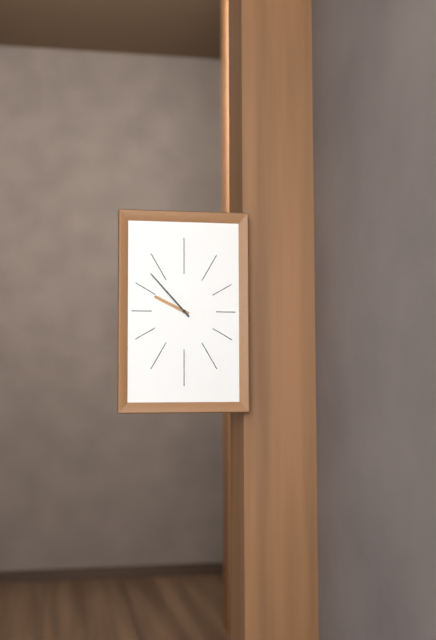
9:53
